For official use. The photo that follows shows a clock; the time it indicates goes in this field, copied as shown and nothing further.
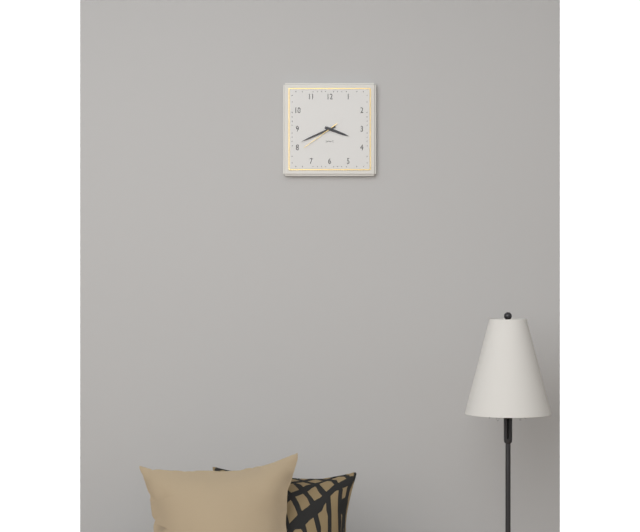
3:41
